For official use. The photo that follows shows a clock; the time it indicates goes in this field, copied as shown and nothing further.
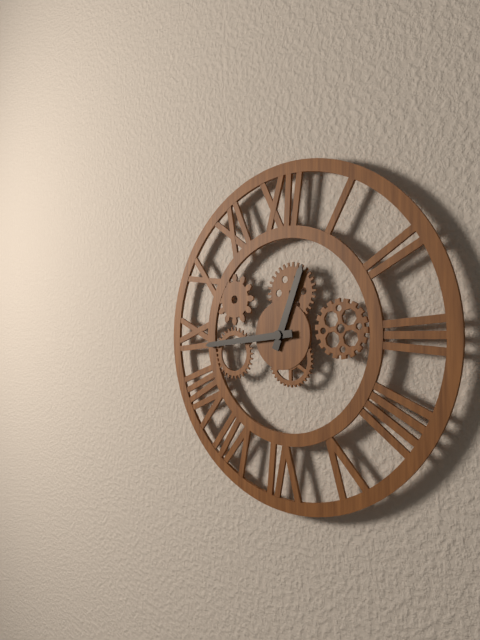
12:44
